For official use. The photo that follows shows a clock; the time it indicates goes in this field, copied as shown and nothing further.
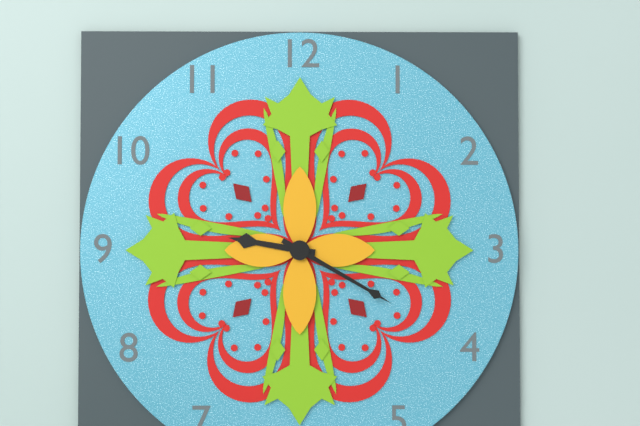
9:20
